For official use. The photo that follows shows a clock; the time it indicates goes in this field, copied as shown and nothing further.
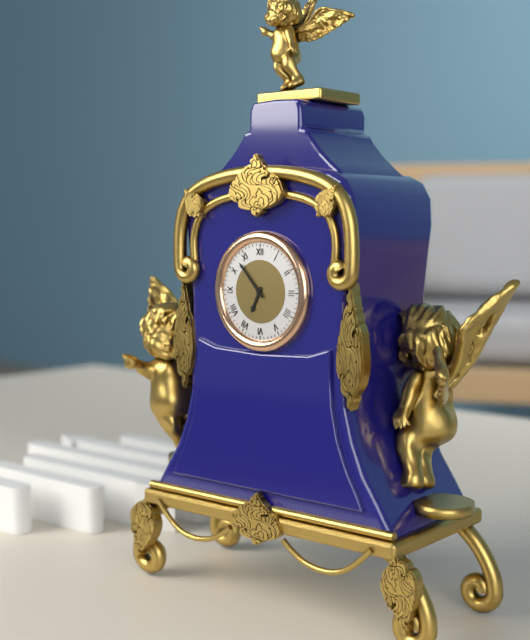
6:53
